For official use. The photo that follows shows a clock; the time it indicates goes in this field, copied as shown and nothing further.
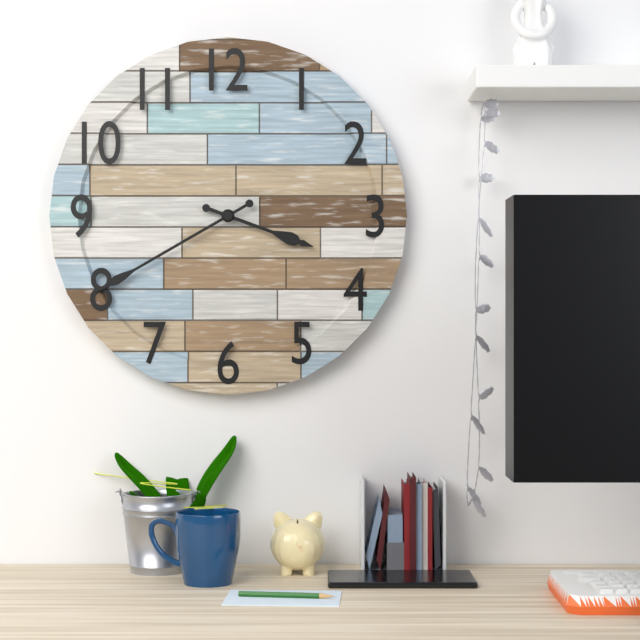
3:40
